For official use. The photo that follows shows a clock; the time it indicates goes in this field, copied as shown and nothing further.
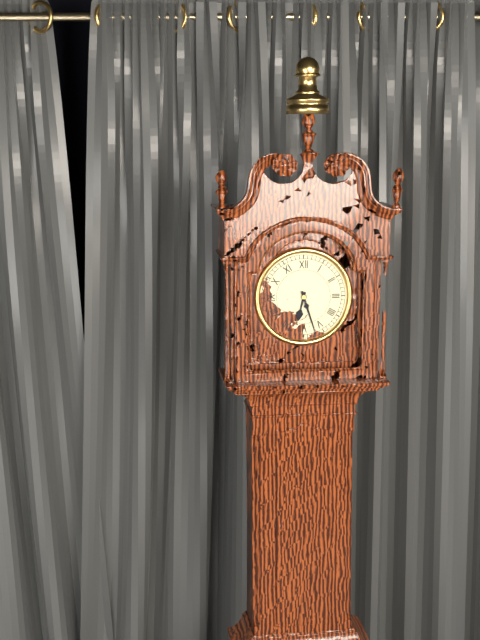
6:27
